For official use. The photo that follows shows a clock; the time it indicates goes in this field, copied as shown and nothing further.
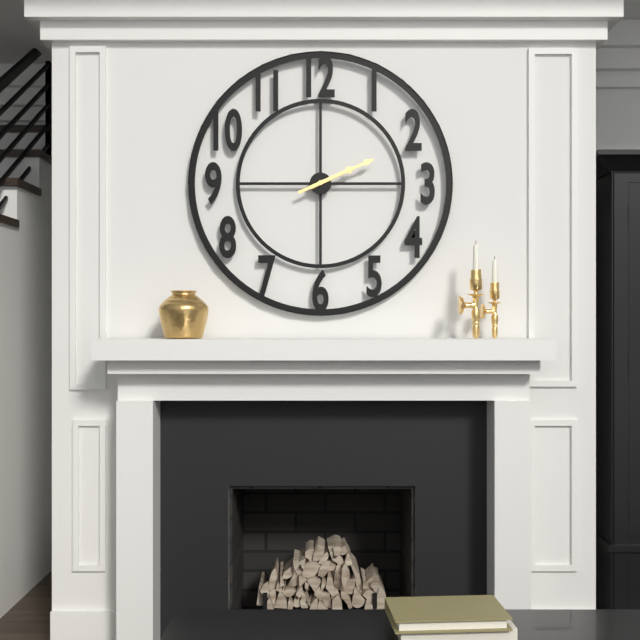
2:11
